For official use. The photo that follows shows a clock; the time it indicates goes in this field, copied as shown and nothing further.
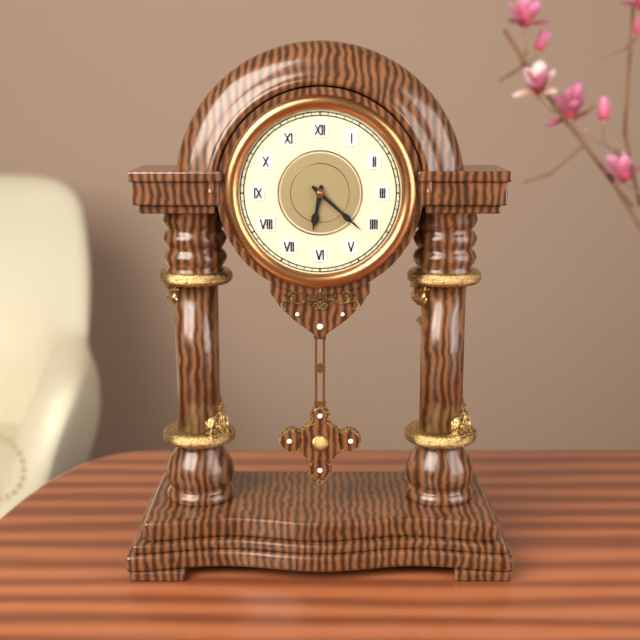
6:22
